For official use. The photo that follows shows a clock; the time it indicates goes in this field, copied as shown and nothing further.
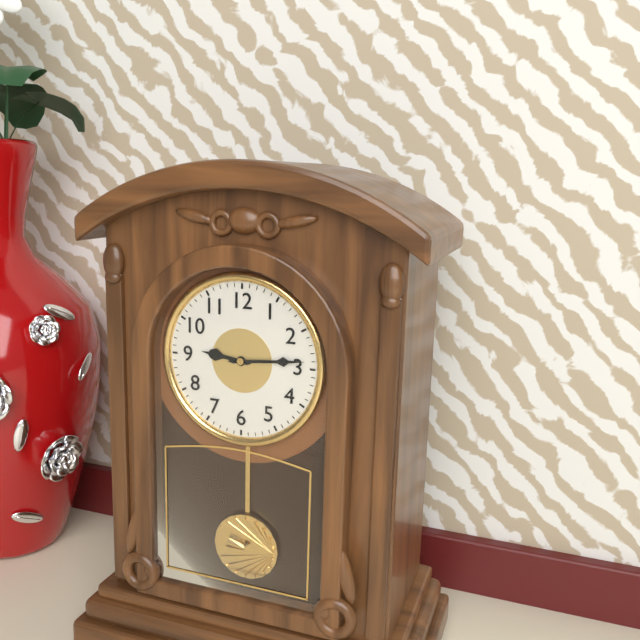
9:14
